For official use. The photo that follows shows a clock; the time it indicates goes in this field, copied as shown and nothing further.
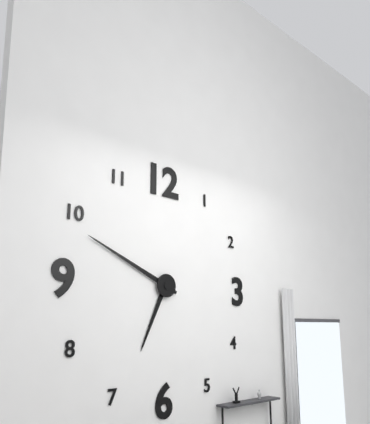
6:49
